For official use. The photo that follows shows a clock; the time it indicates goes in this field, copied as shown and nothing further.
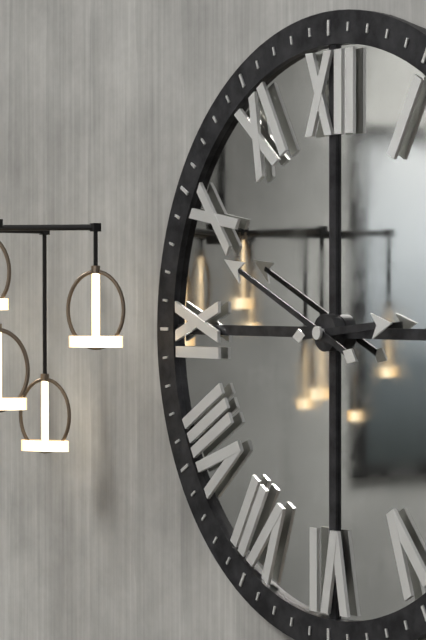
2:49
